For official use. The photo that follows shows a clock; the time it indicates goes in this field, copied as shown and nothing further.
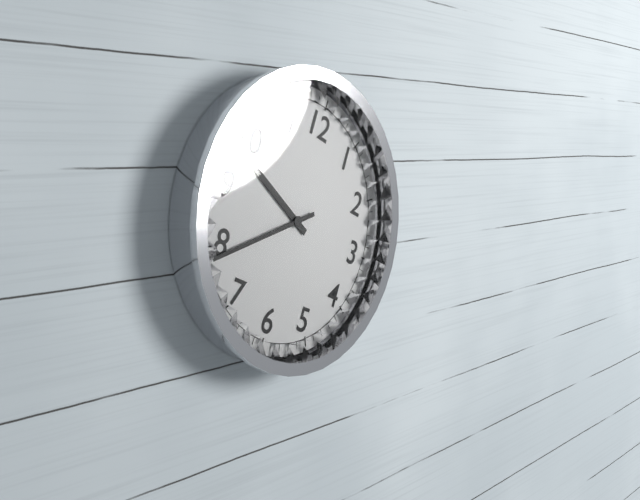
9:39
